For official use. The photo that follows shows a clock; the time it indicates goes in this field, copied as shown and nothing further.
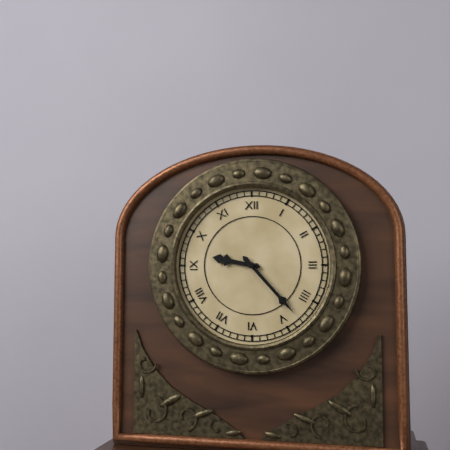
9:23
